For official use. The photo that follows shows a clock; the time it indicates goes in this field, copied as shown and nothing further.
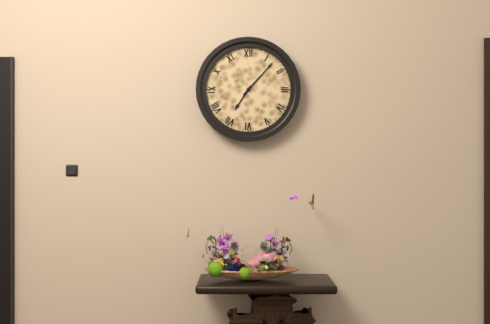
7:07
